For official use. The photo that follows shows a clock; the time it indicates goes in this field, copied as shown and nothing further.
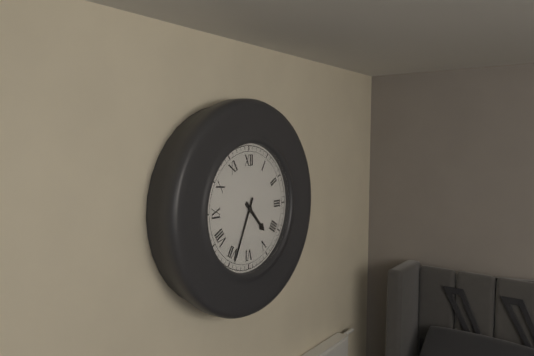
4:34
